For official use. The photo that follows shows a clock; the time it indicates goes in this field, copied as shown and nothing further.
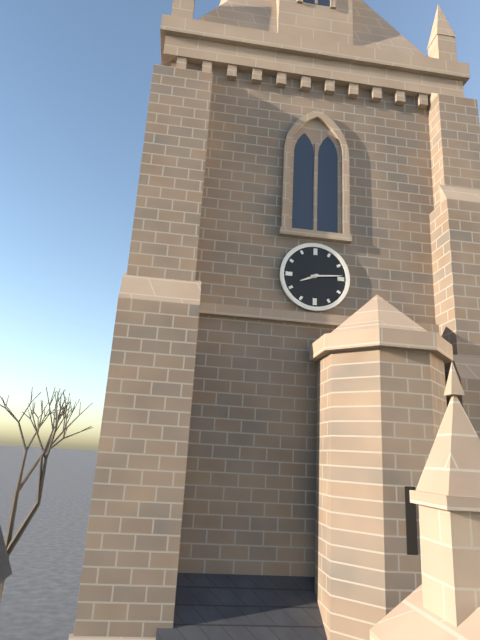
8:14
